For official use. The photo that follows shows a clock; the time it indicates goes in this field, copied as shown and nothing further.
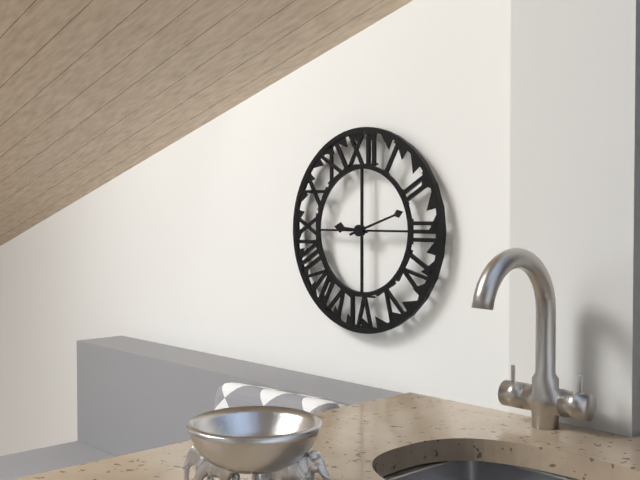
9:12
